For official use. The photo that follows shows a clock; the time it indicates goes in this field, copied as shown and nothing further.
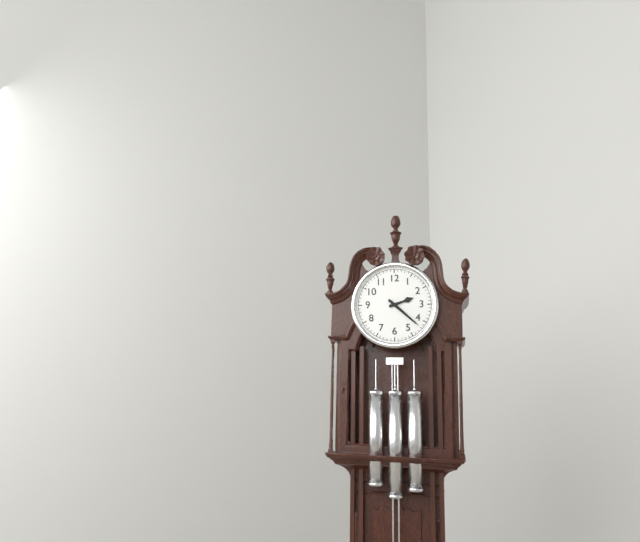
2:22
